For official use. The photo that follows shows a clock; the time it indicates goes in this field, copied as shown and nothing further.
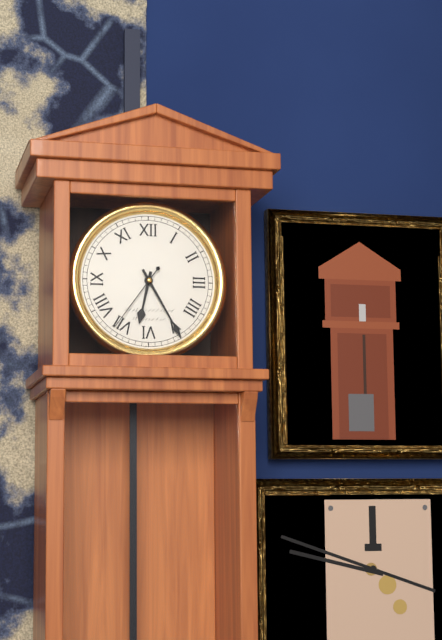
6:25:36
